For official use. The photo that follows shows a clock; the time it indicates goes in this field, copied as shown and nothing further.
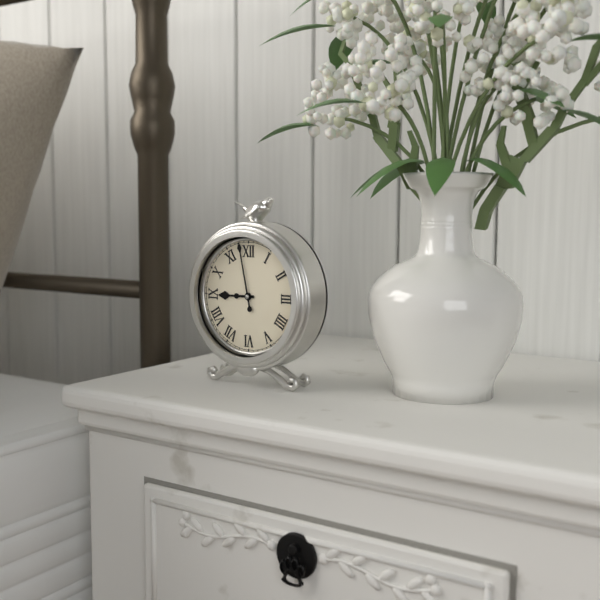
8:58
